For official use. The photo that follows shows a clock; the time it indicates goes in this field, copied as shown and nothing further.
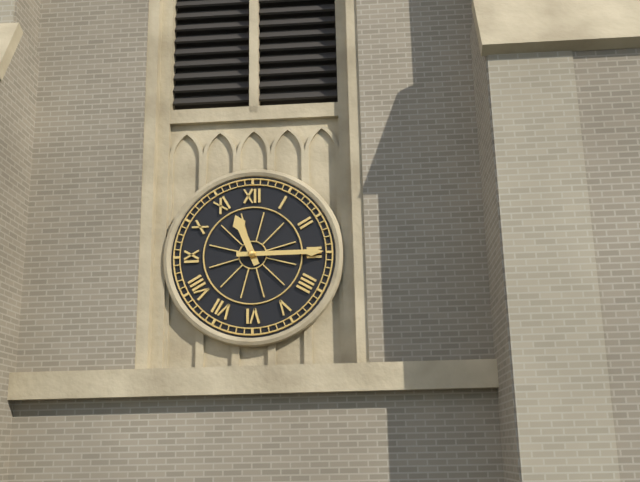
11:15
